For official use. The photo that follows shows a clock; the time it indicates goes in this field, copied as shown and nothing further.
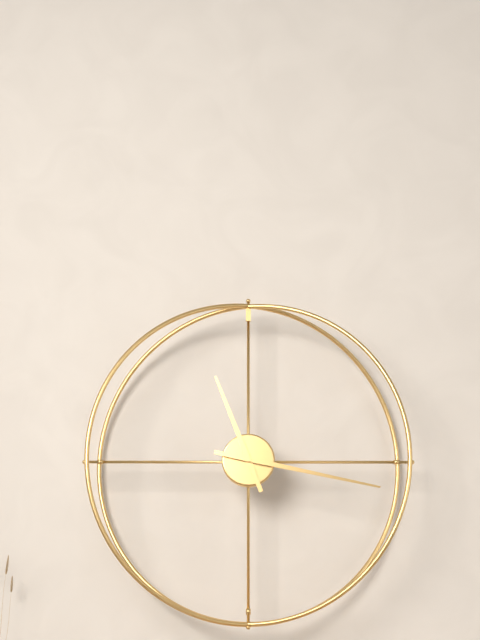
11:17
